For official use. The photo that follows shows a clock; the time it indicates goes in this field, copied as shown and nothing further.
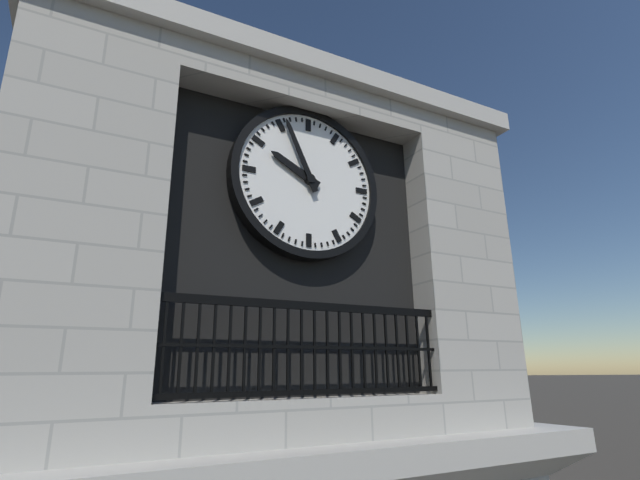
9:56
